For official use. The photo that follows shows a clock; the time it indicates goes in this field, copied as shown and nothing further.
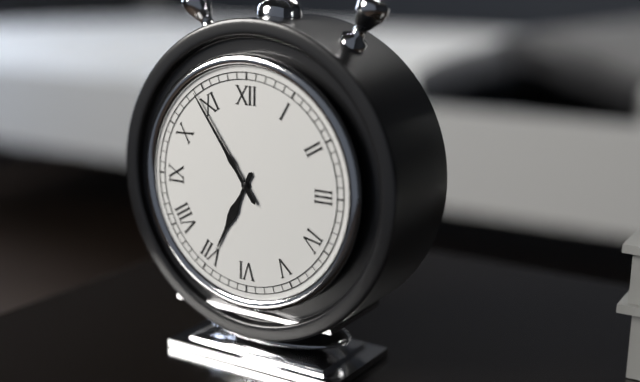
6:54
